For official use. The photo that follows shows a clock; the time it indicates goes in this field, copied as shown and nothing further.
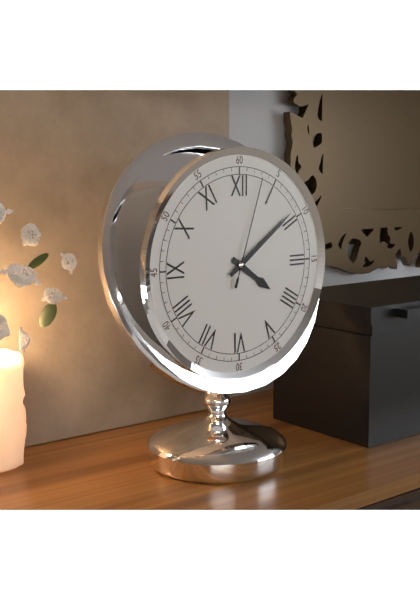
4:09:03
